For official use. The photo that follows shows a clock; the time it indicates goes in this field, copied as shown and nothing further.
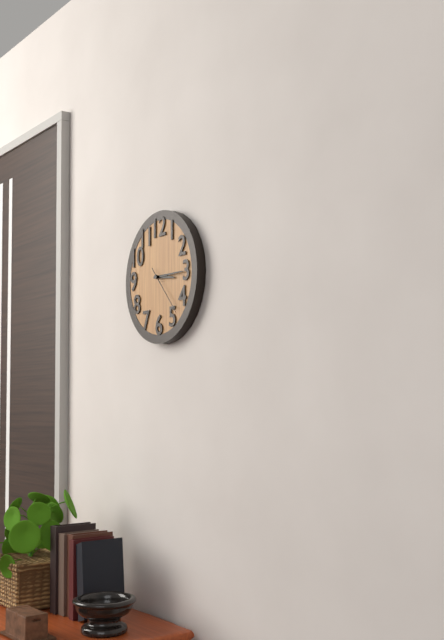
3:15:23
